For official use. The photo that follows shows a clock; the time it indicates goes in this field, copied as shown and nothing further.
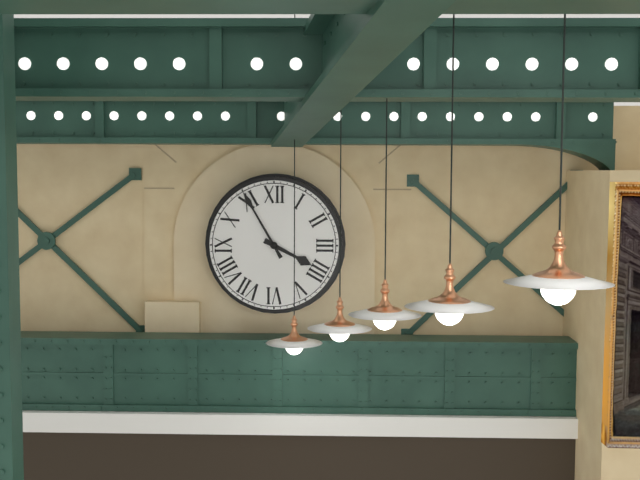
3:55
